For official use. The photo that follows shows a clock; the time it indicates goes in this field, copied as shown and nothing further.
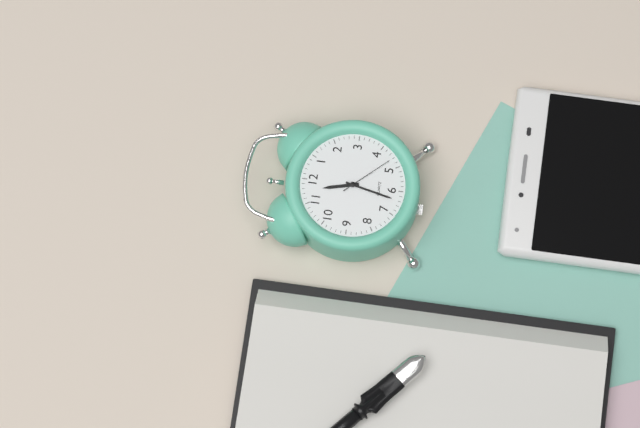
11:32:23
